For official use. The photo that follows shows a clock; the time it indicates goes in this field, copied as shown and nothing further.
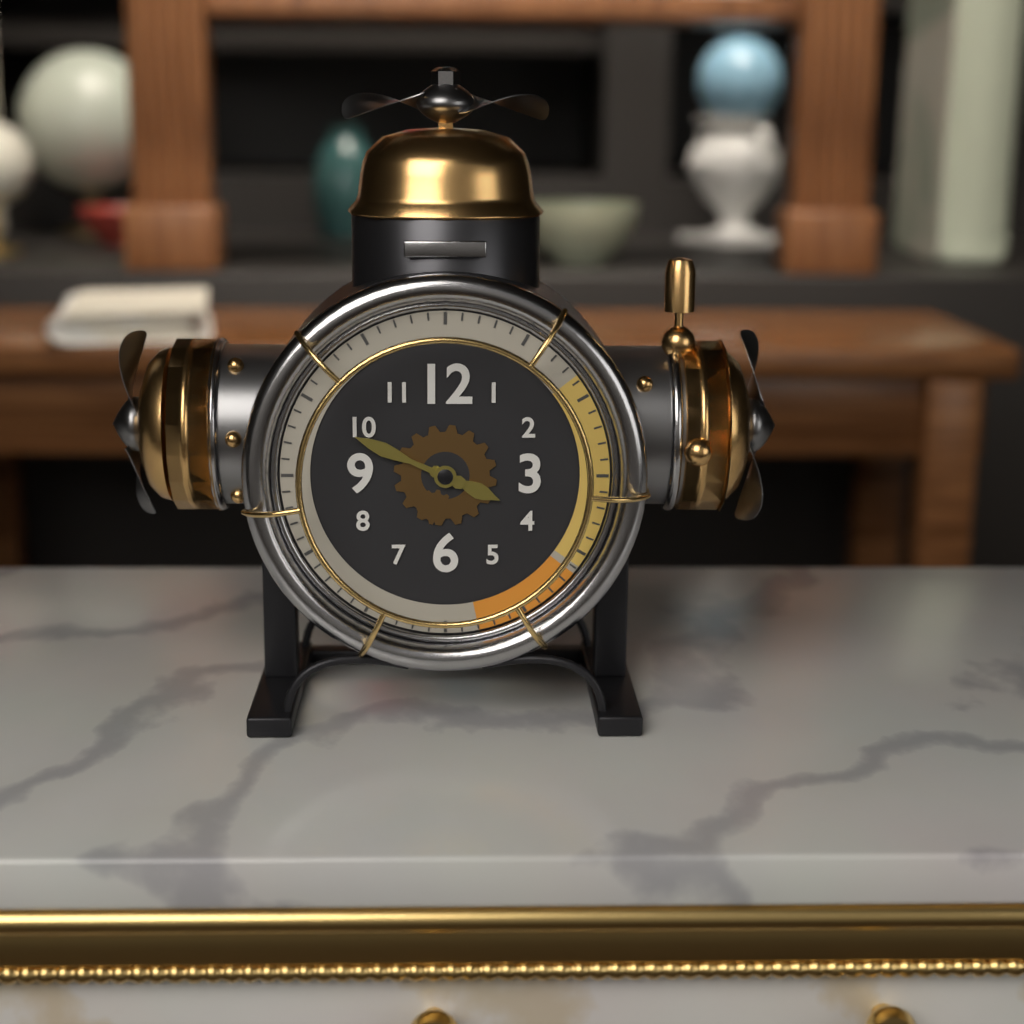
3:49
